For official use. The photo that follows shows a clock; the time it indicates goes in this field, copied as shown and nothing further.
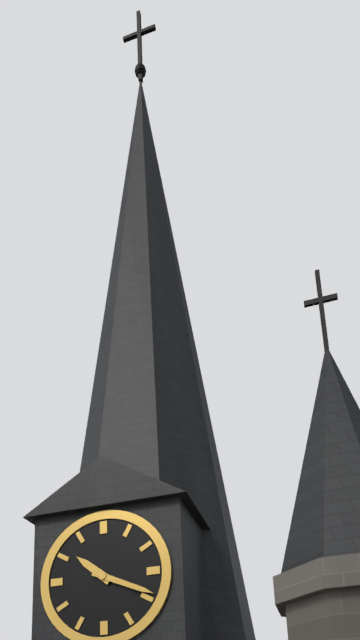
10:19
